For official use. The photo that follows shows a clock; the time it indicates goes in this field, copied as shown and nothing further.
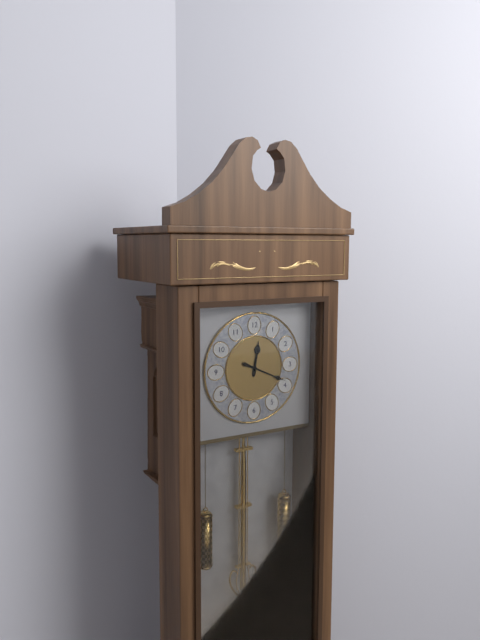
12:19
